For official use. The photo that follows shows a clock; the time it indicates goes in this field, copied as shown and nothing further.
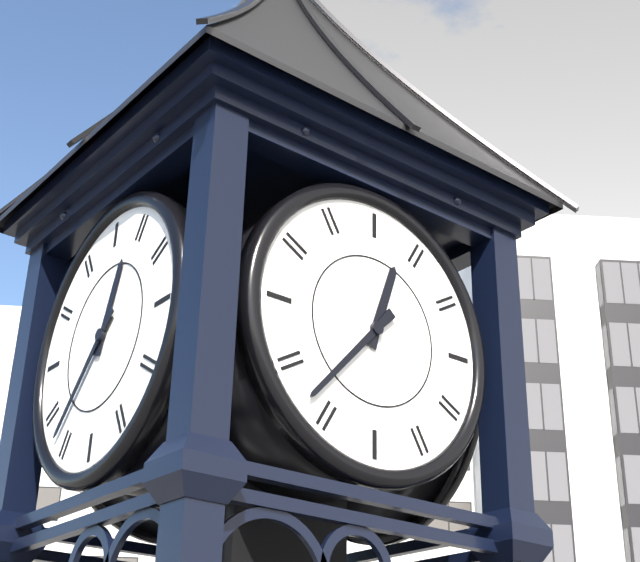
12:37
